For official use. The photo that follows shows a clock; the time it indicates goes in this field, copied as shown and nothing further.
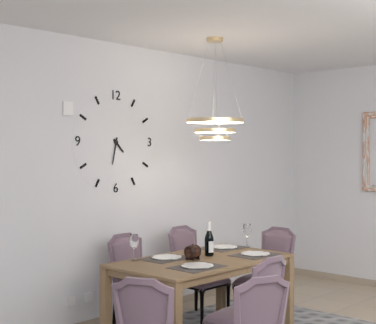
4:32
